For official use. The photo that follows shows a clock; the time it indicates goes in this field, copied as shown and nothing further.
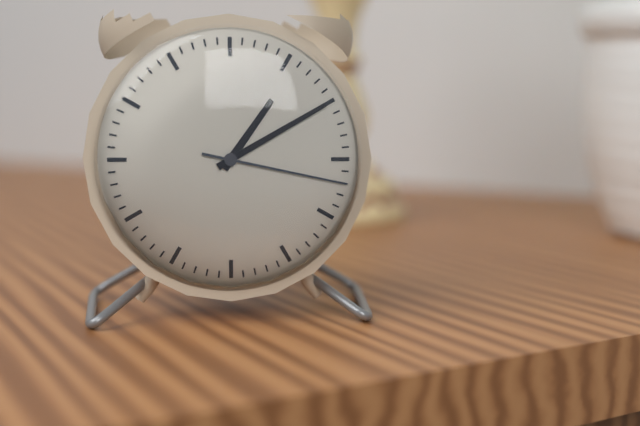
1:10:17
